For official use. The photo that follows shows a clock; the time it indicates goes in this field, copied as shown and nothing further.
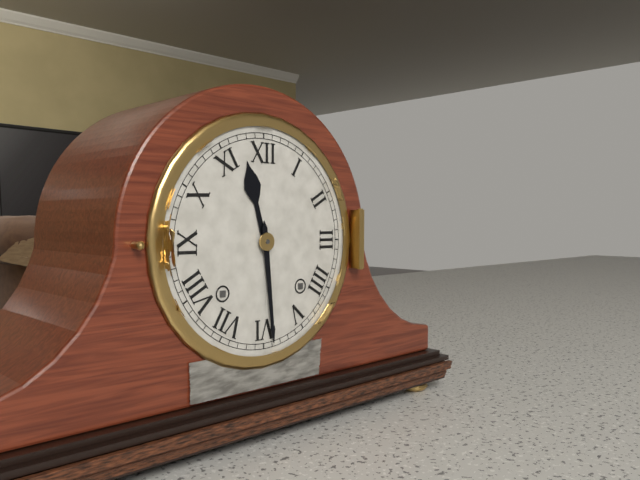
11:29
